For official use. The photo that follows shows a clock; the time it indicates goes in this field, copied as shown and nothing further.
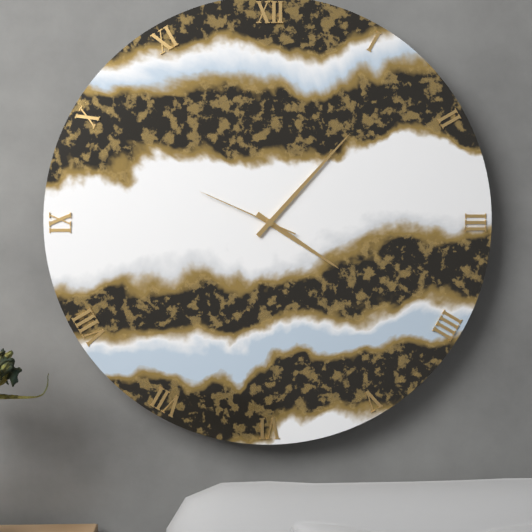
4:07:49
